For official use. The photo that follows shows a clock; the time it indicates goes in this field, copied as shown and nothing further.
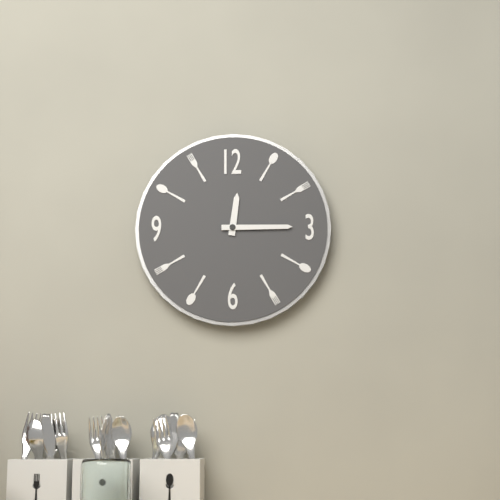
12:15
